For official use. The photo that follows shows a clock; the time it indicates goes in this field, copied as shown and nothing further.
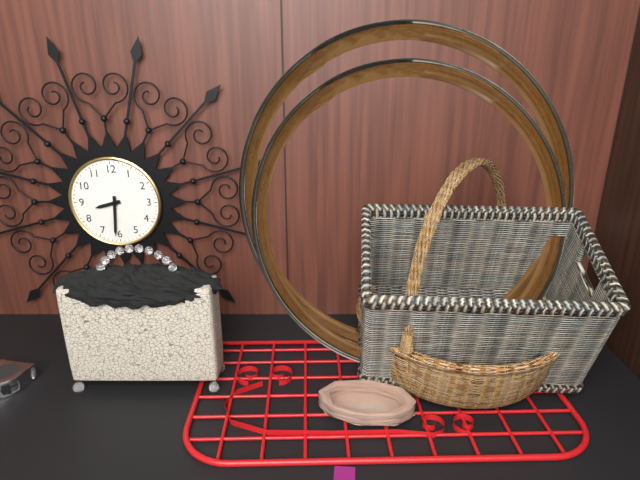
8:31
